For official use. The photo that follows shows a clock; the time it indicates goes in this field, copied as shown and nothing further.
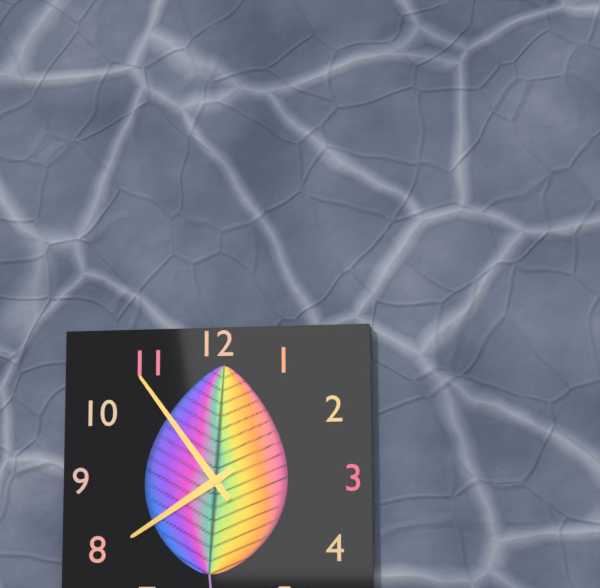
7:54
